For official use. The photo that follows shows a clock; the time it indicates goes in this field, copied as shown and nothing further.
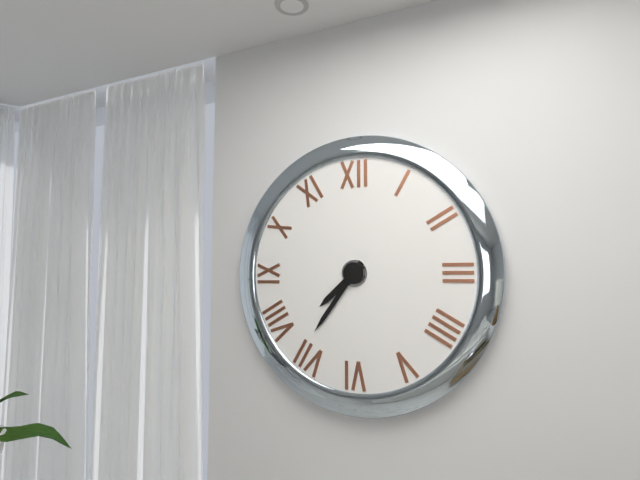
7:36
